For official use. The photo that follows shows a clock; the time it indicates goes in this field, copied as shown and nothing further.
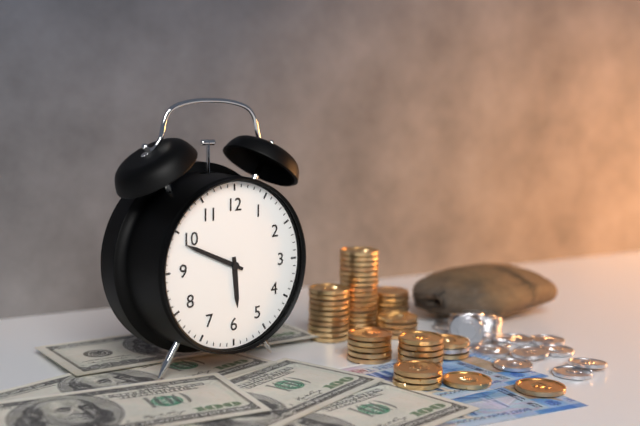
5:49
